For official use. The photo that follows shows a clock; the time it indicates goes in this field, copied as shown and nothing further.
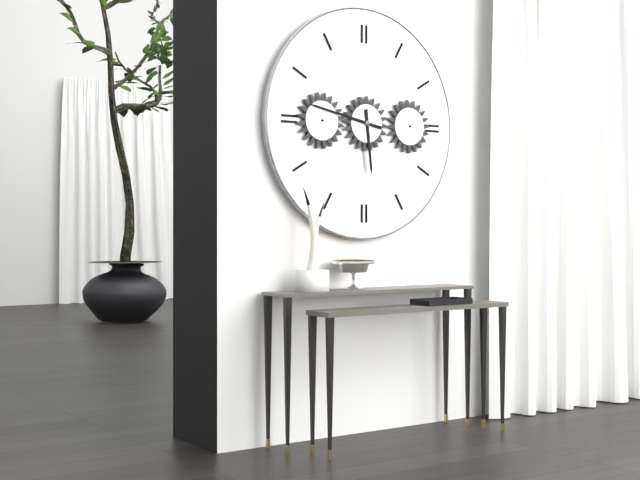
5:47
